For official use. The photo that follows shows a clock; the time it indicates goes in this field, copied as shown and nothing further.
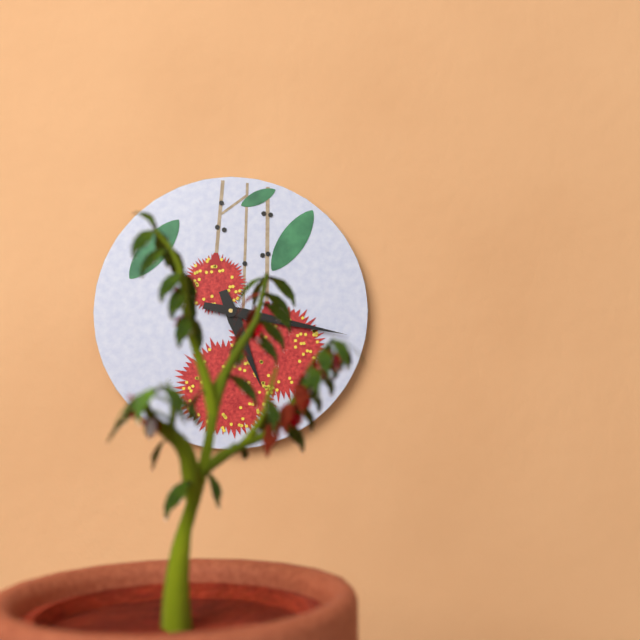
5:17
